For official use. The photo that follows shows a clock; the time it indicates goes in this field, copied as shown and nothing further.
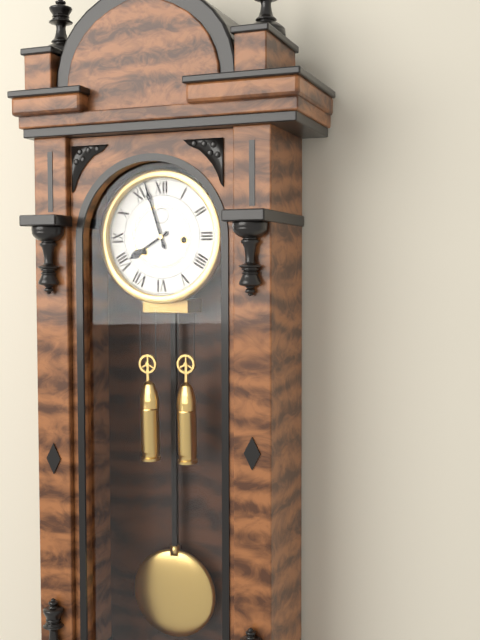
7:57
